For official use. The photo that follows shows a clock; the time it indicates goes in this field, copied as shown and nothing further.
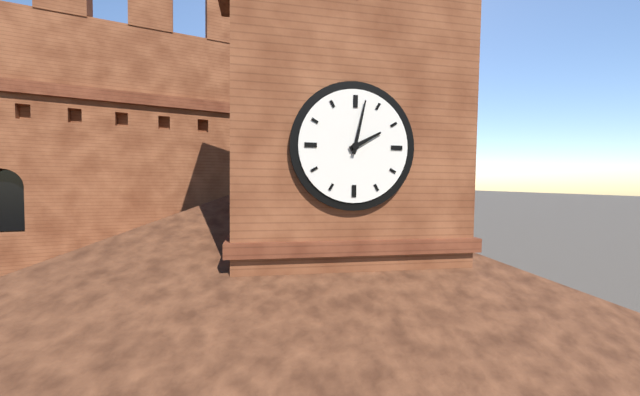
2:02
